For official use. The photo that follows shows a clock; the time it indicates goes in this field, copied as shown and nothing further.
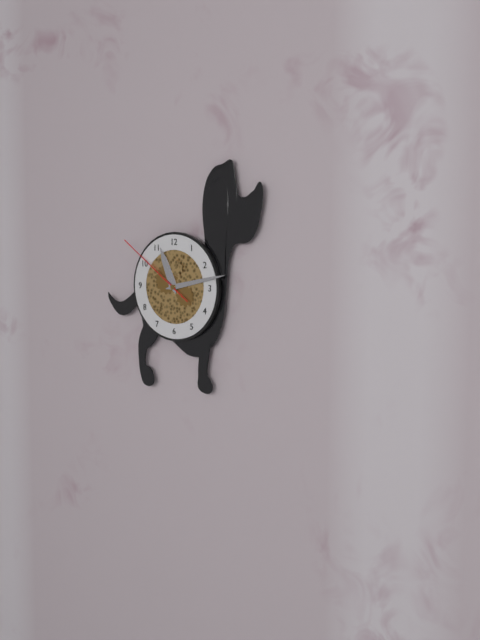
11:13:51
